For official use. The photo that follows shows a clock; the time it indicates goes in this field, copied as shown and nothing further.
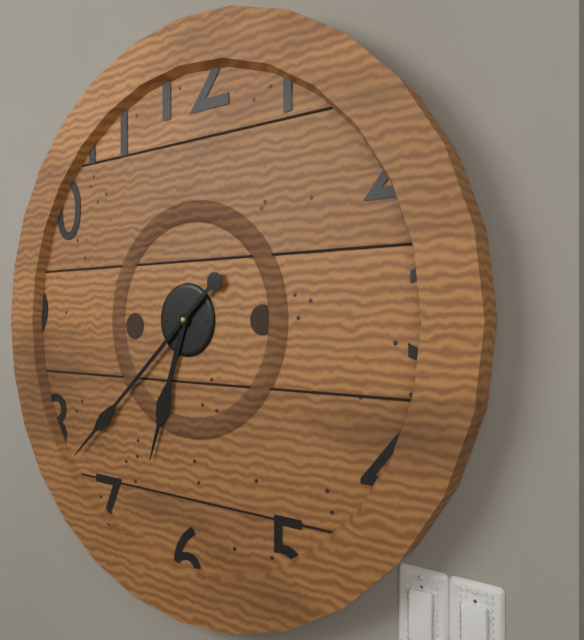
6:38
